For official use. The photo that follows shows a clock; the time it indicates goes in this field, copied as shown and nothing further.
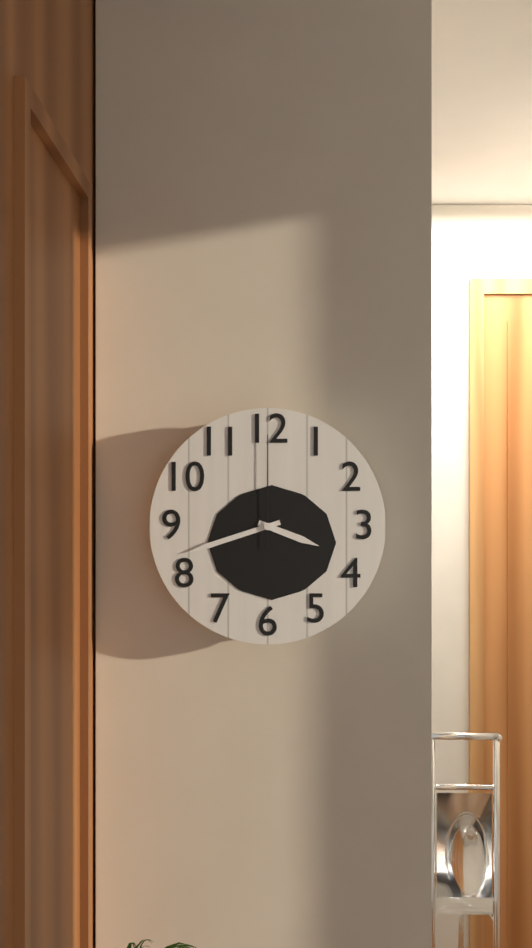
3:42:00
